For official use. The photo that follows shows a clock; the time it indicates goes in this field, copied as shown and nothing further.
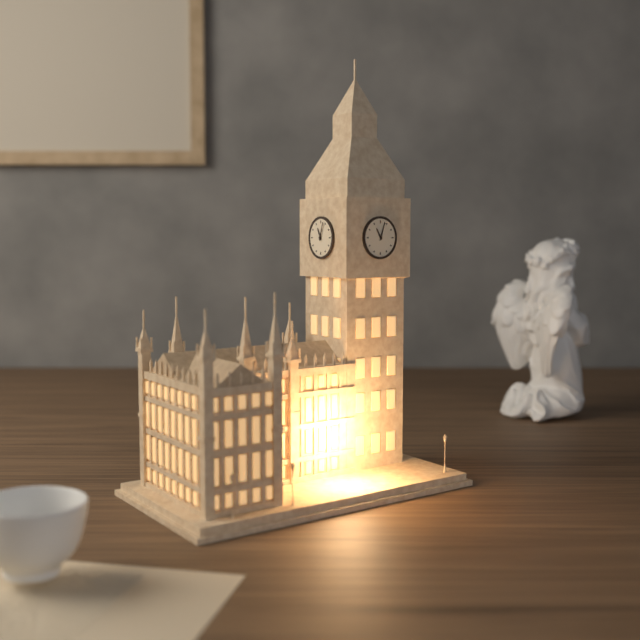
11:03
